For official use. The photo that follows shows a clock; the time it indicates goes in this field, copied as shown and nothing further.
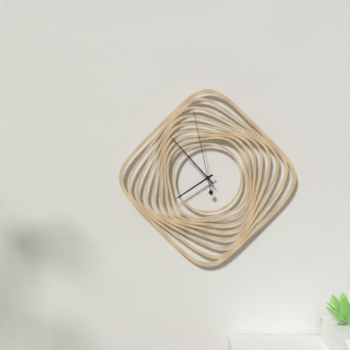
7:53:58
